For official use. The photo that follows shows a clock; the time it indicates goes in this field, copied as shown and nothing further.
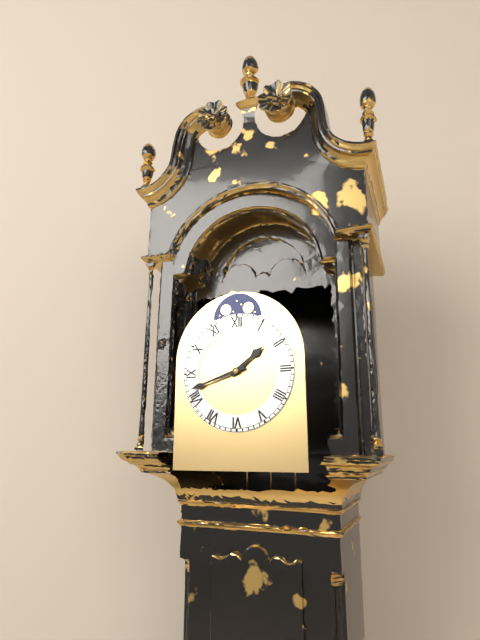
1:42
